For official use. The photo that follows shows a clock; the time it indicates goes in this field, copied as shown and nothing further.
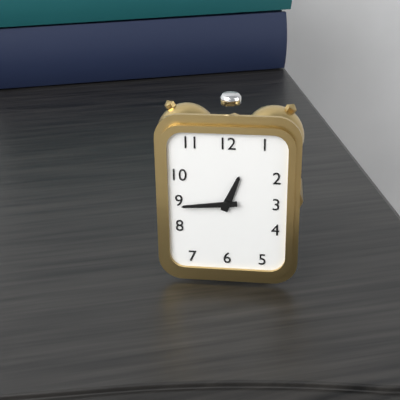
12:44
